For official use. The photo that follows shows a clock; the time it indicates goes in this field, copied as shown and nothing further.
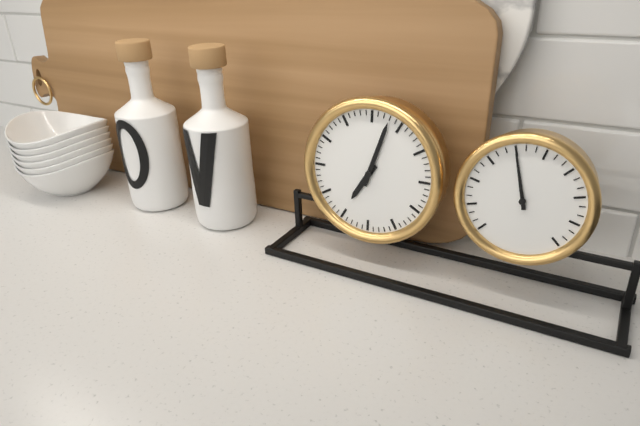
7:03
